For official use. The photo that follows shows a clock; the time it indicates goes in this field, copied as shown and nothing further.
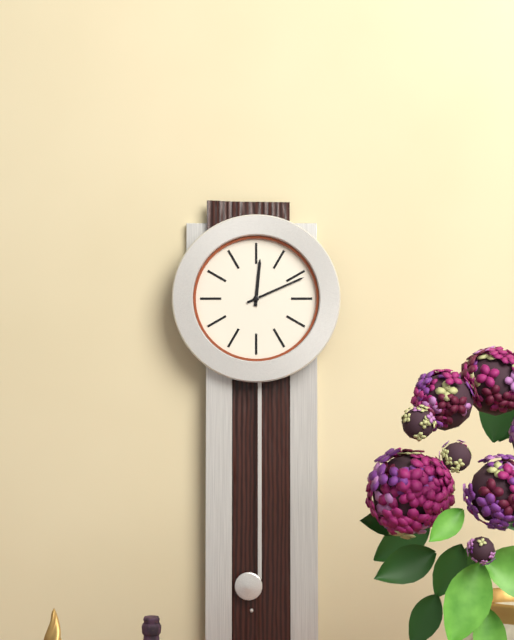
12:11
